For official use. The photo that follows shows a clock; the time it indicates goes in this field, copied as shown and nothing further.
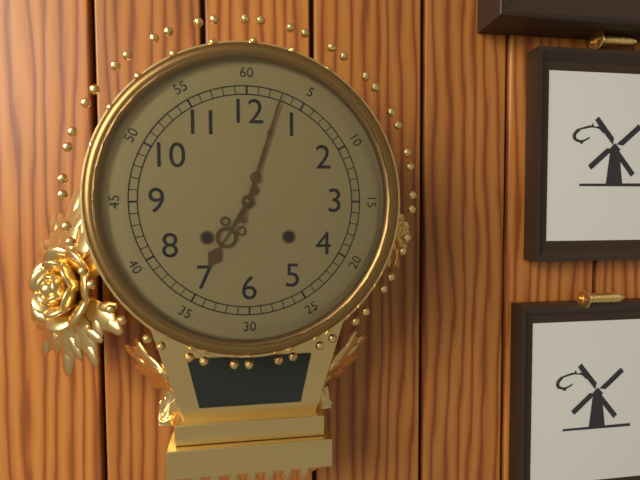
7:03
